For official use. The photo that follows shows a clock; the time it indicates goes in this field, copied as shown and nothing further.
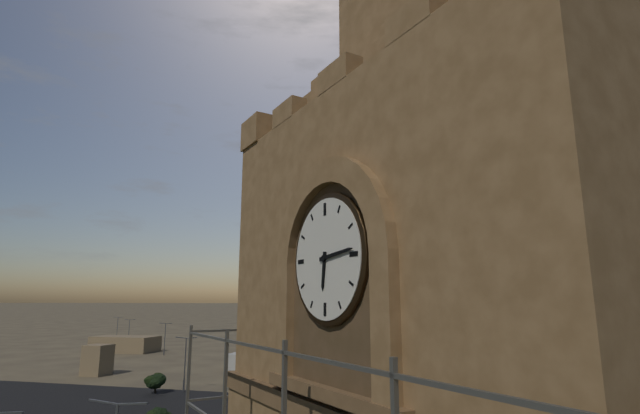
6:14
